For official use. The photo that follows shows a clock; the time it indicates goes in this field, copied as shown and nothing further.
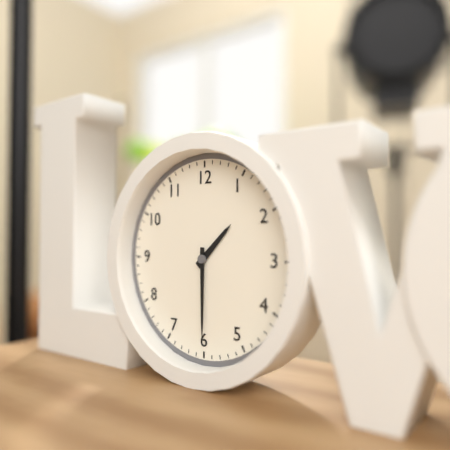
1:30
